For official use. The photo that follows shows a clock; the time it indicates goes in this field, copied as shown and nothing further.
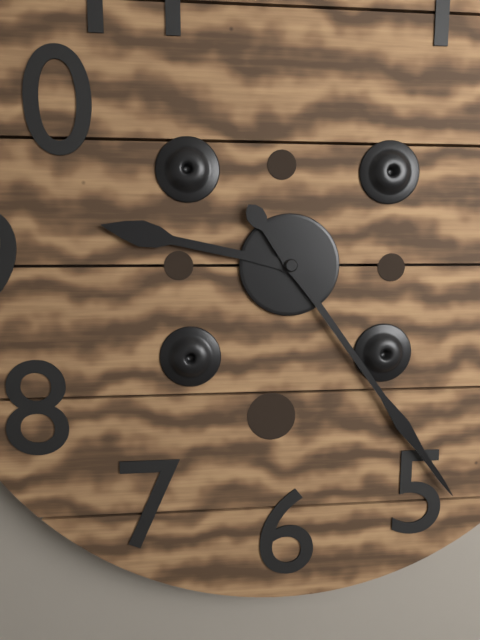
9:24
